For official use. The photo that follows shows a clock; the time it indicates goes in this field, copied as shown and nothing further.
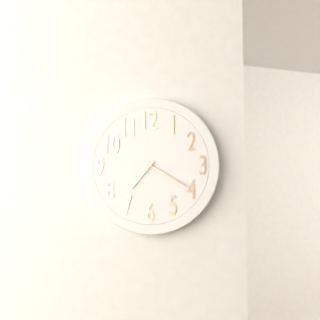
7:20
